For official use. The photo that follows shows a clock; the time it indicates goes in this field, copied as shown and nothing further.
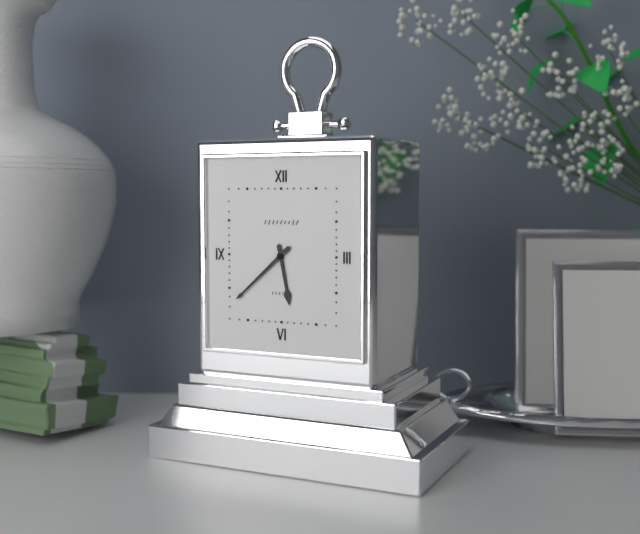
5:38
